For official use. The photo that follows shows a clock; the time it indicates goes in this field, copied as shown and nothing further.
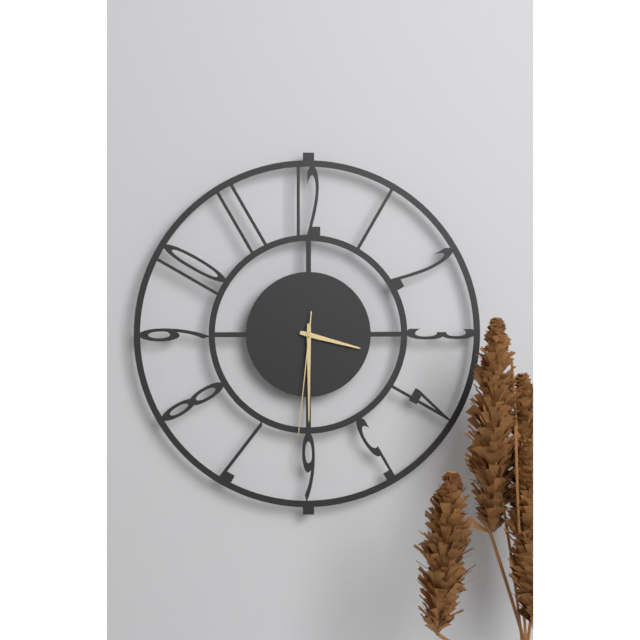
3:30:31
